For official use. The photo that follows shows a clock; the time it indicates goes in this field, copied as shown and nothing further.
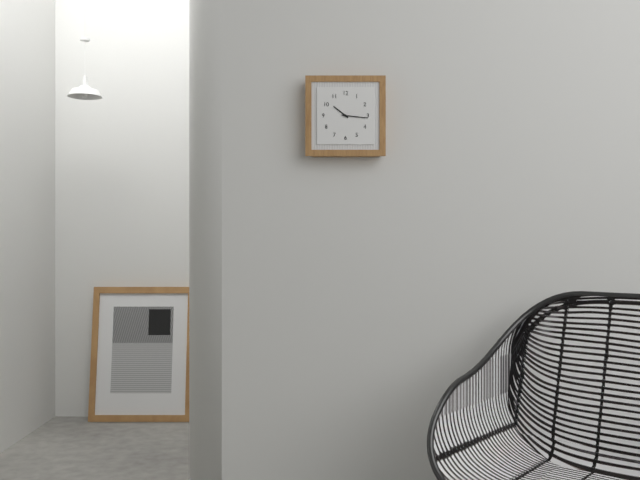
10:16
